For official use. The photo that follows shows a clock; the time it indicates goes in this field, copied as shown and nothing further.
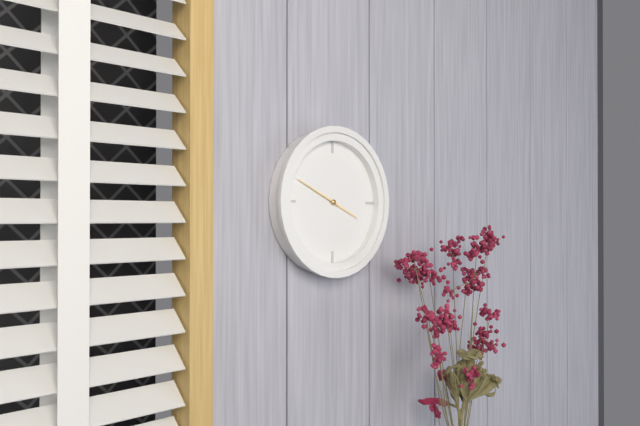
3:49
